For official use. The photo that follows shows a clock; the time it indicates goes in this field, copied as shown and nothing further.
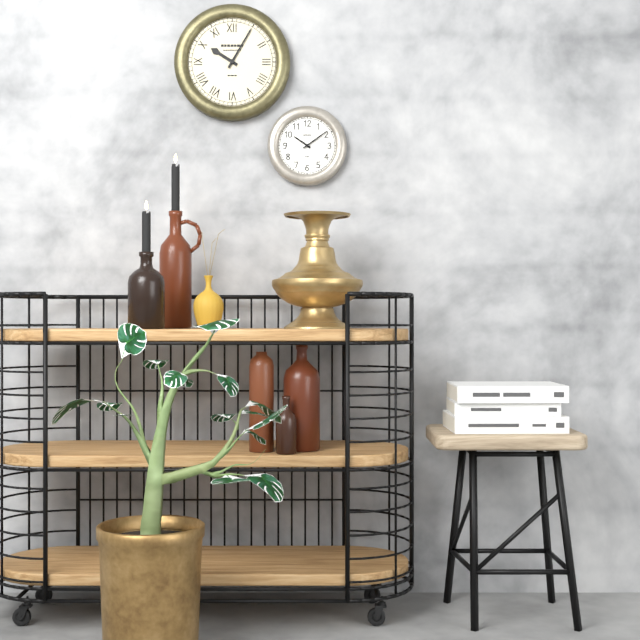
10:05
